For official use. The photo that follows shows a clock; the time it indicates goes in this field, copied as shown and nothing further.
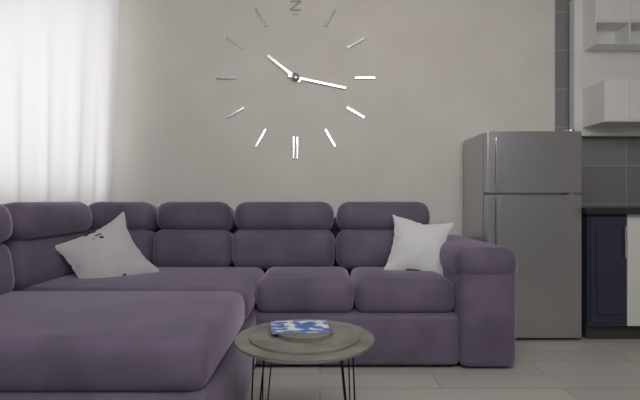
10:17
